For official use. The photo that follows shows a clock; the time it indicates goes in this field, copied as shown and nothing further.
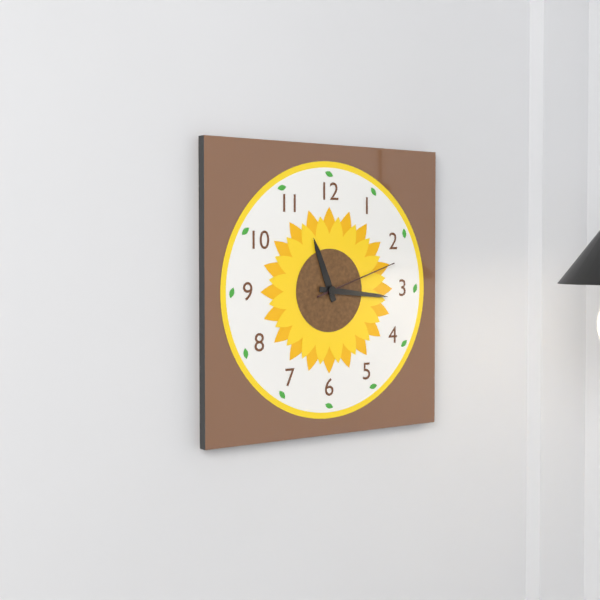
11:16:12
